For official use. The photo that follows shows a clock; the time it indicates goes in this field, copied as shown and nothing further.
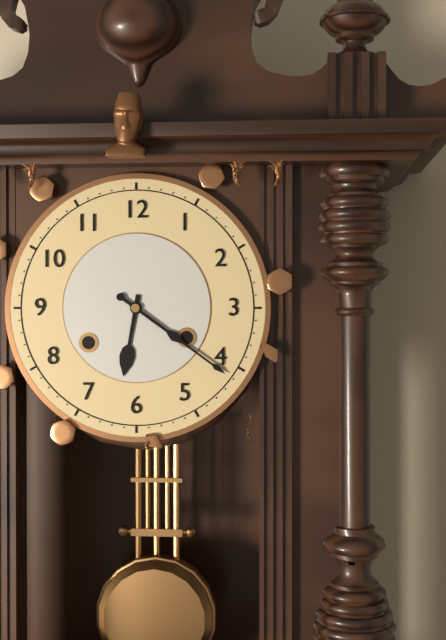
6:21
